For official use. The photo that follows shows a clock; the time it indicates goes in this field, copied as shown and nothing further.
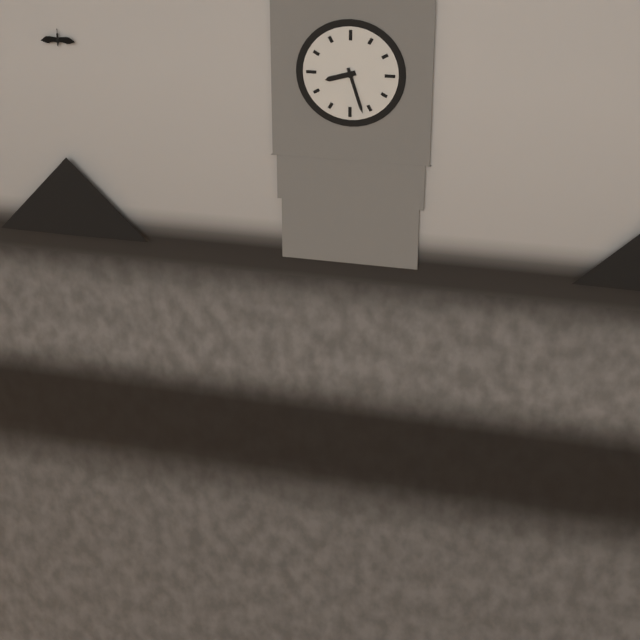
8:27
